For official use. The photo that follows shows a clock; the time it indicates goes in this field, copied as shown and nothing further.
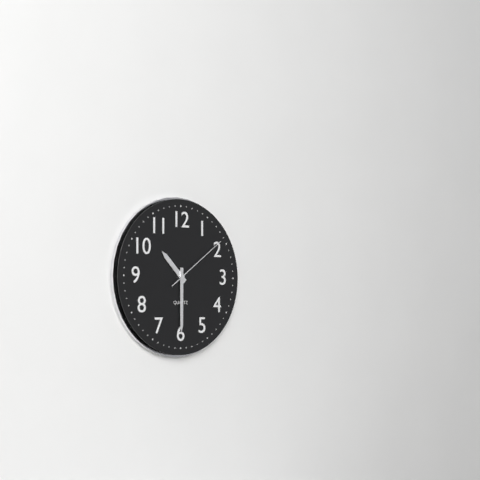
10:30:09
